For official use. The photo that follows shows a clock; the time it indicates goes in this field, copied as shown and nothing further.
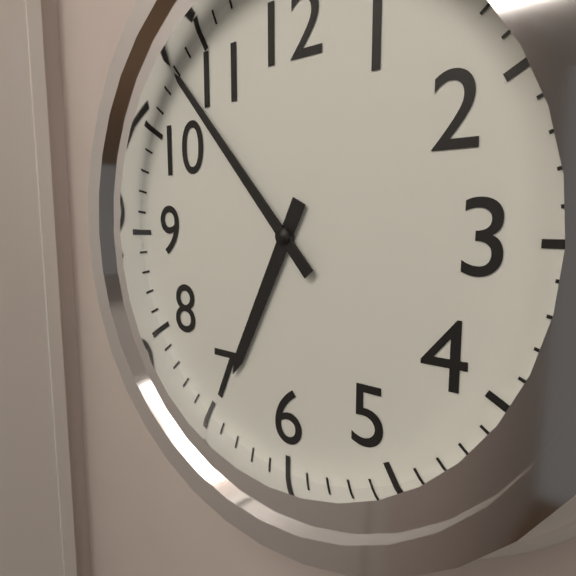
6:53
